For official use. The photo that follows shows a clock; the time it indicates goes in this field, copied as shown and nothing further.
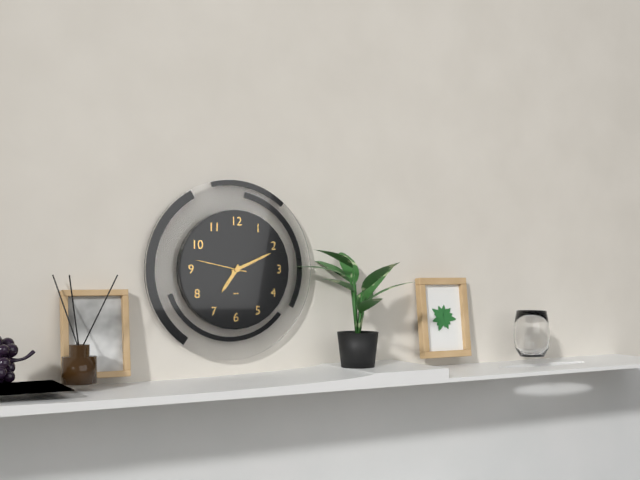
7:11:47
